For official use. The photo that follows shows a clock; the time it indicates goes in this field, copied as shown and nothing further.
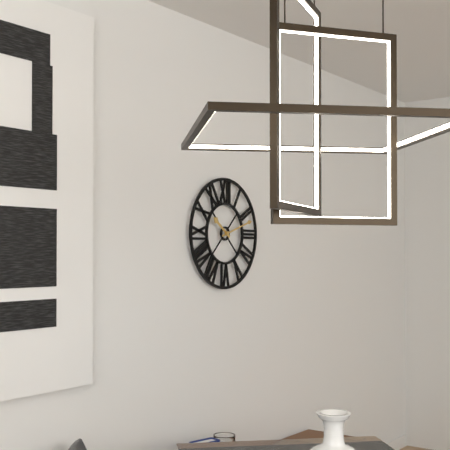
10:12
